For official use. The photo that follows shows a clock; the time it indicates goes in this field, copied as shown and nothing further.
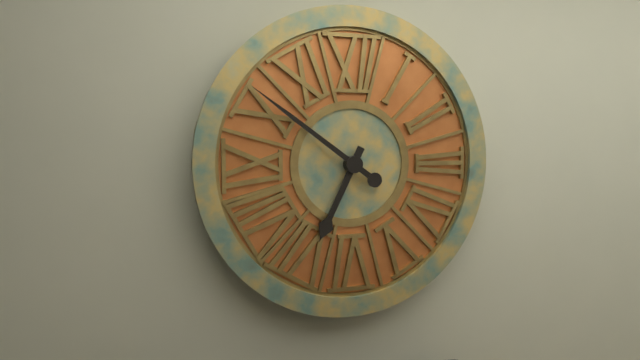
6:51
